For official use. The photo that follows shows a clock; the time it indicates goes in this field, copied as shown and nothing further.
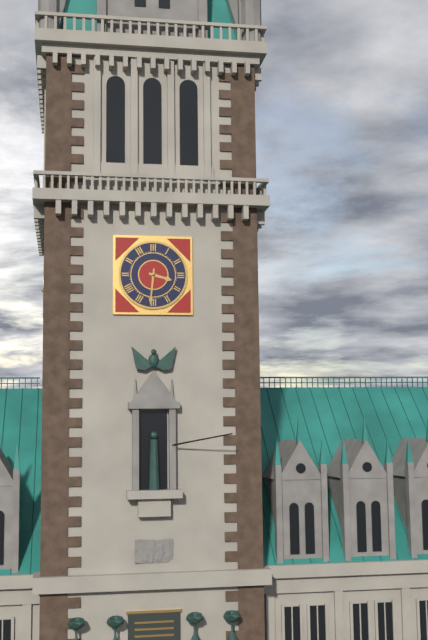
3:31
